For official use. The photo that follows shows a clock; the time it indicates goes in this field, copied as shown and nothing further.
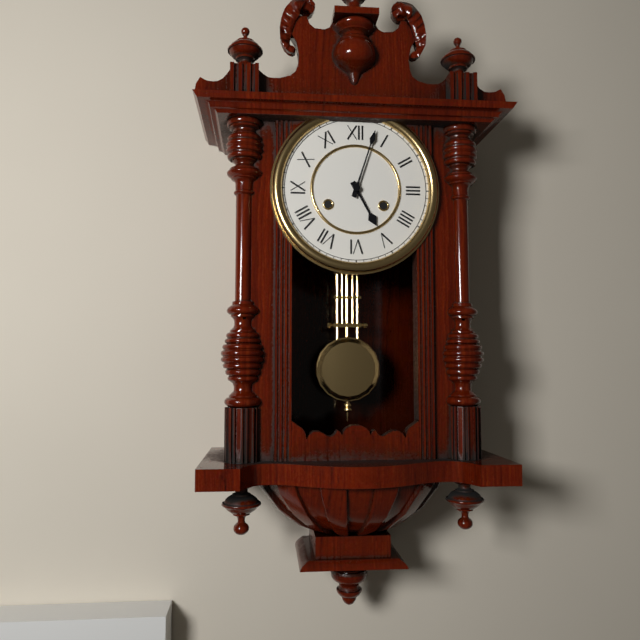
5:03
